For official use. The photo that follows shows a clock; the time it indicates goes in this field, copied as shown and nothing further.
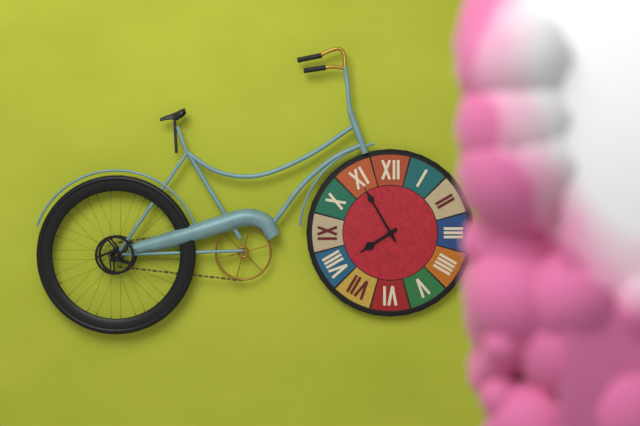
7:55
